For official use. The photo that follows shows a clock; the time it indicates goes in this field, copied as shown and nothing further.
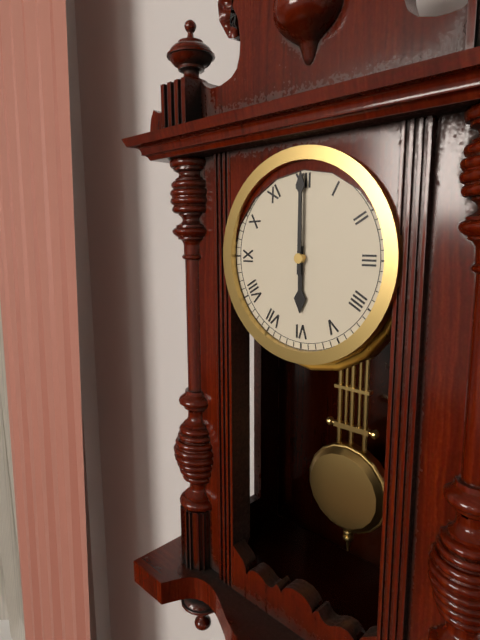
6:00
